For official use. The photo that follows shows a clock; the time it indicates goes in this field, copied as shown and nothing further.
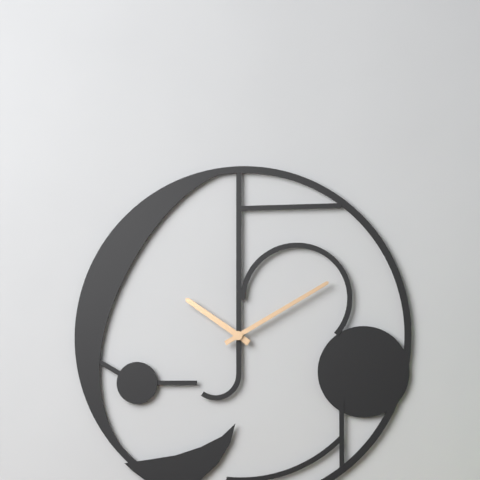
10:10
